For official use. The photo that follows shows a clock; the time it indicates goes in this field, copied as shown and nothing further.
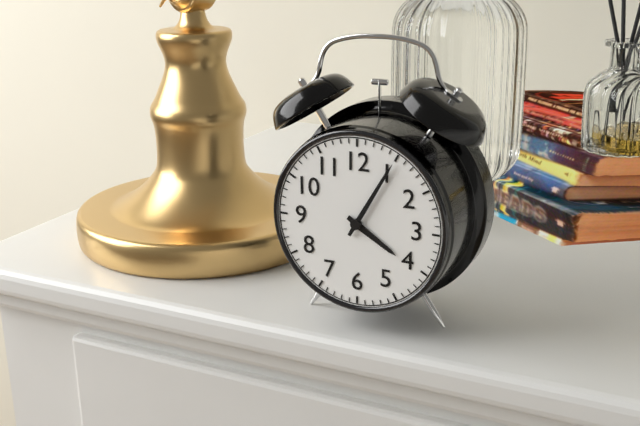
4:05
